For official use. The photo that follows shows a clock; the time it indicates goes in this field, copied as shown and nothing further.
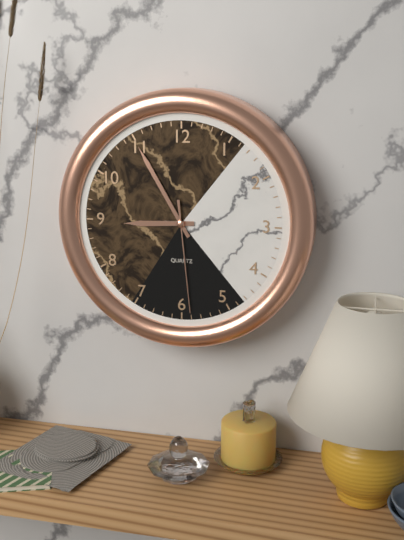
8:55:29
